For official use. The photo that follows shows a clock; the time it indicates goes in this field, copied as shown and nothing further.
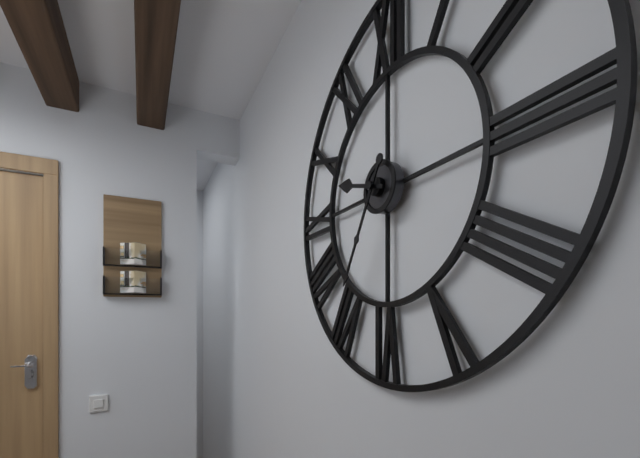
9:35
